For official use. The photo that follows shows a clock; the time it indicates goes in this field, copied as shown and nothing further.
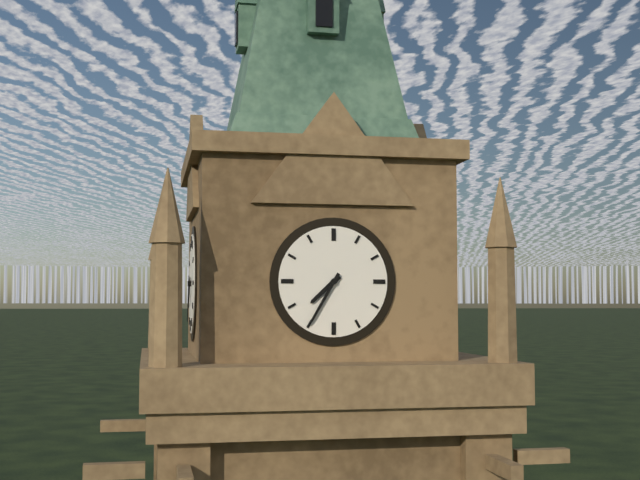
7:35
